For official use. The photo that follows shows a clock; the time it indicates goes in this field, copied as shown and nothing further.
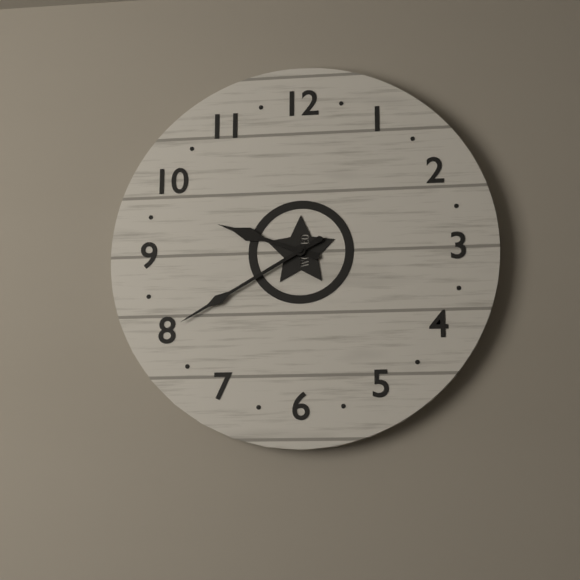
9:40
